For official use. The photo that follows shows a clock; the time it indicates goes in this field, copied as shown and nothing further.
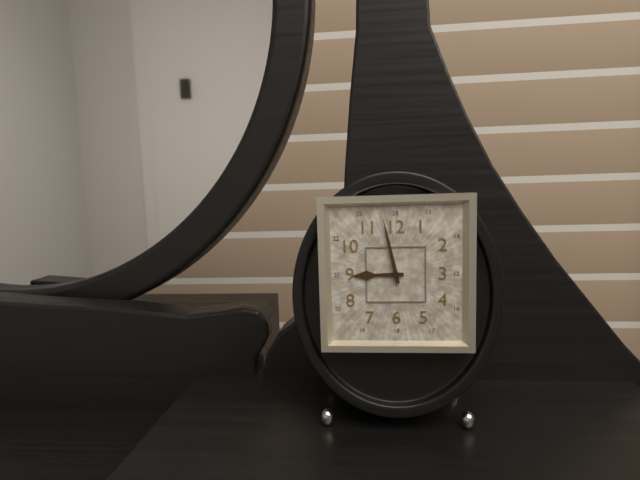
8:58
